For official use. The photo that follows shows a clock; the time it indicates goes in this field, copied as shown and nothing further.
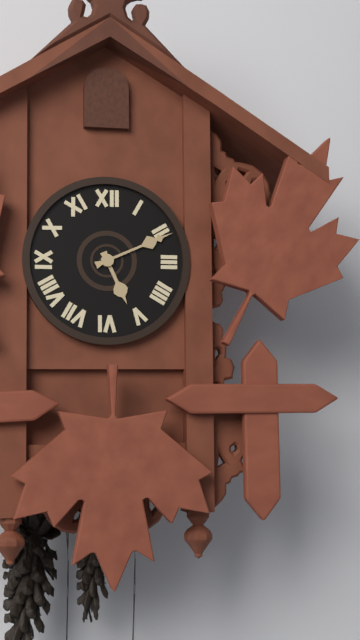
5:11
